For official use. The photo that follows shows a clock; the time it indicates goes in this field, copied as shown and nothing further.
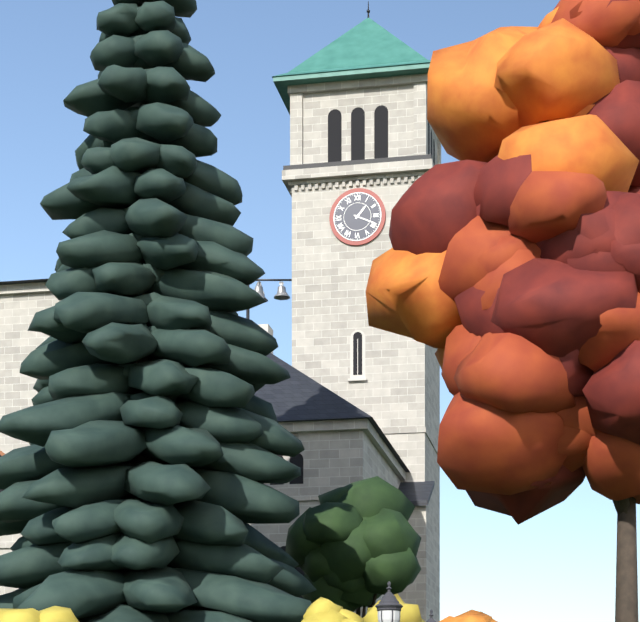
1:19
